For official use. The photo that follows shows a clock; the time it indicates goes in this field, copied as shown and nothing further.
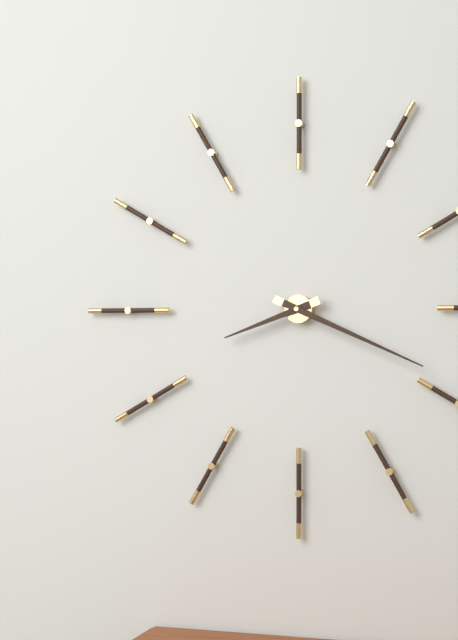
8:19
